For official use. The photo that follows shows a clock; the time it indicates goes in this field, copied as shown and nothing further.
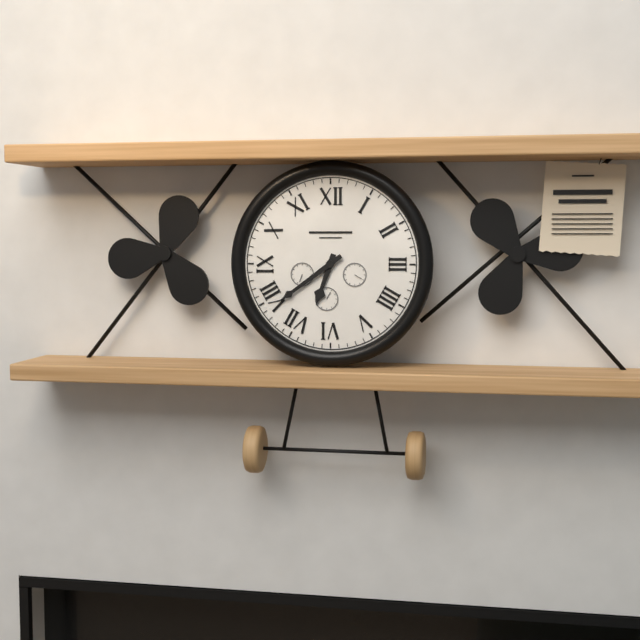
6:39
